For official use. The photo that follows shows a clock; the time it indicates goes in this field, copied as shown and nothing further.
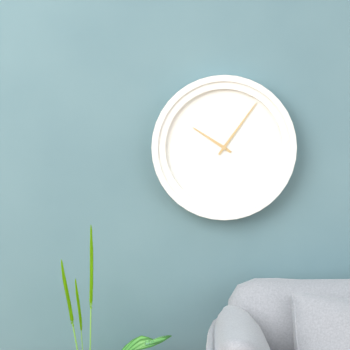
10:06
